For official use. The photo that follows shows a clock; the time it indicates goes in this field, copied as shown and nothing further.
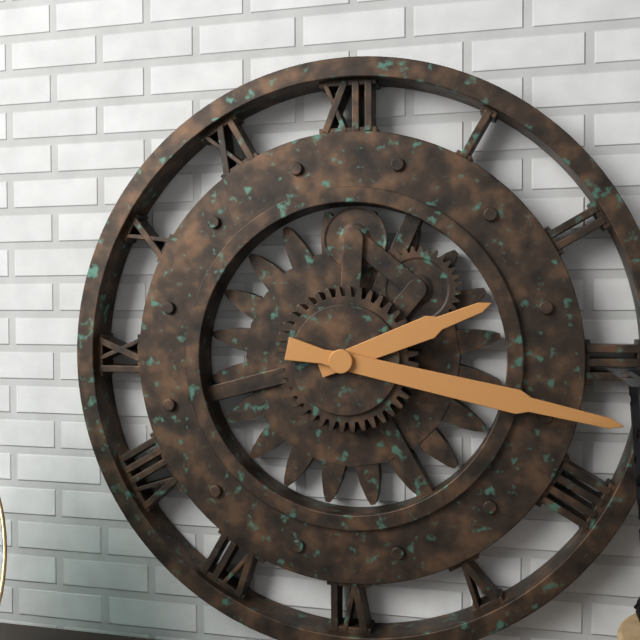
2:17
